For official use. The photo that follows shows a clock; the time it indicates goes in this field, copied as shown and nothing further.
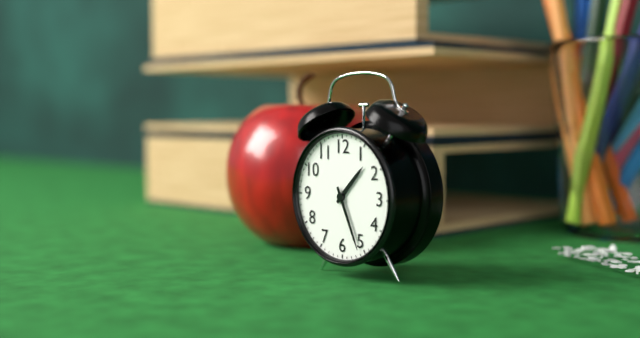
1:26
